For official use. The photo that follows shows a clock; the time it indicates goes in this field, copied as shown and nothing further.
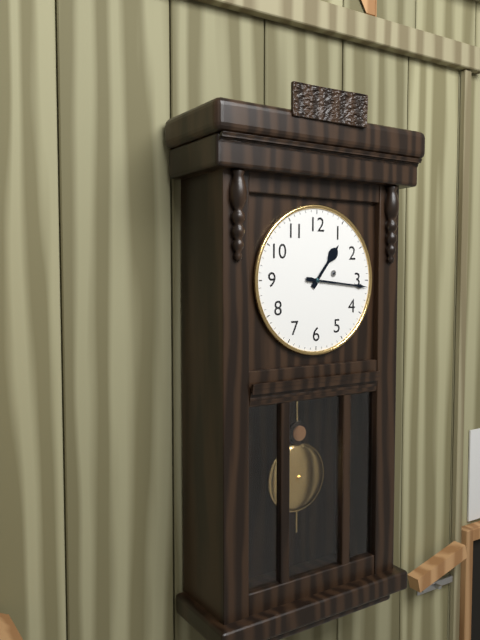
1:16
